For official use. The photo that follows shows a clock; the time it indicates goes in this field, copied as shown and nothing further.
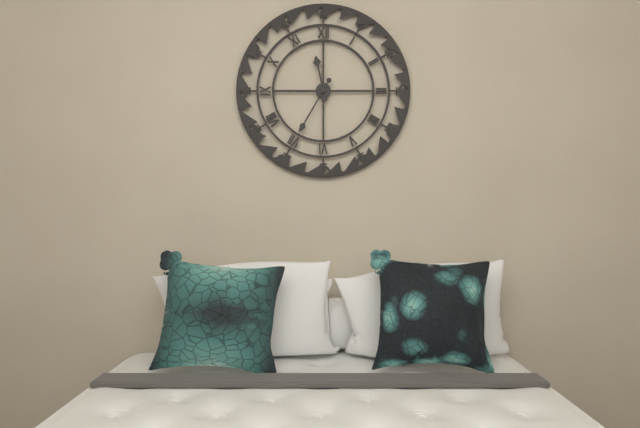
11:35
